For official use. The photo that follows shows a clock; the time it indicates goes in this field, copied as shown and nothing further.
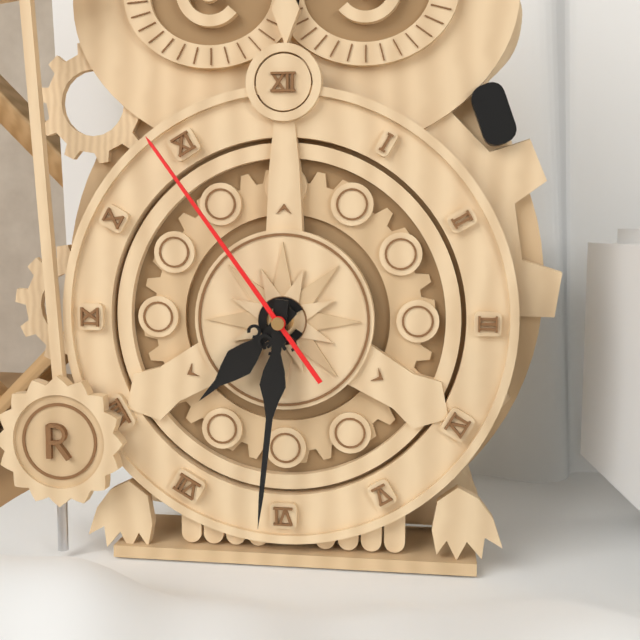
7:31:54
